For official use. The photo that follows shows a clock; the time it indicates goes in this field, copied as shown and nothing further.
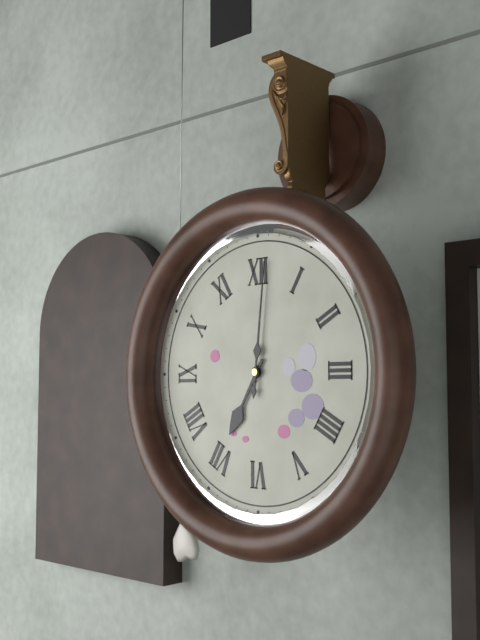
7:01
